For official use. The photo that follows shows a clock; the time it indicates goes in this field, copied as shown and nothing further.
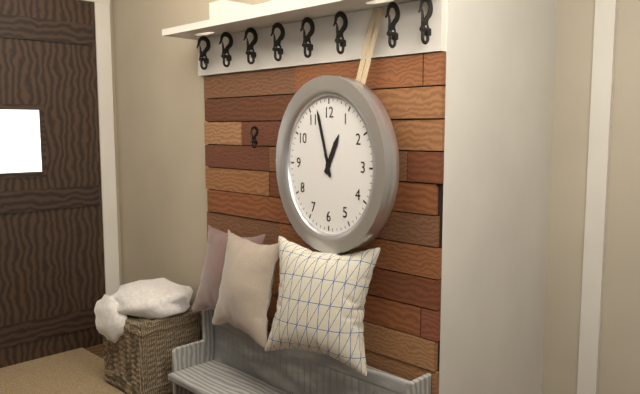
12:57
